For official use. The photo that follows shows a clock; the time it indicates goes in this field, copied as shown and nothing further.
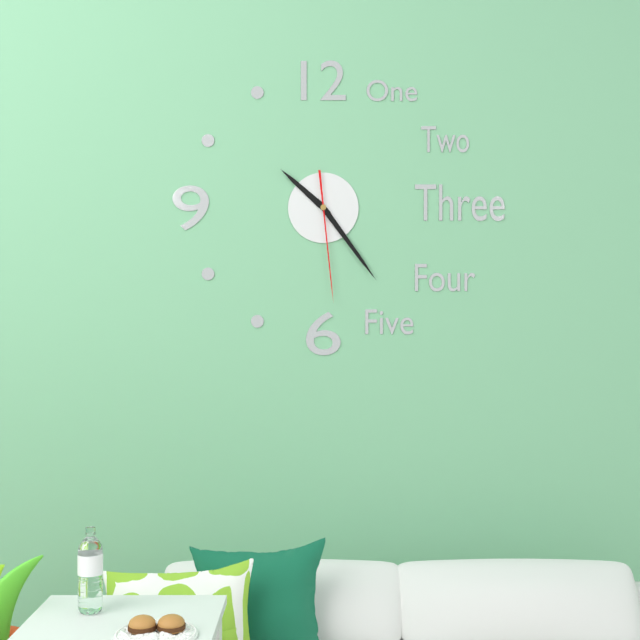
10:24:29
